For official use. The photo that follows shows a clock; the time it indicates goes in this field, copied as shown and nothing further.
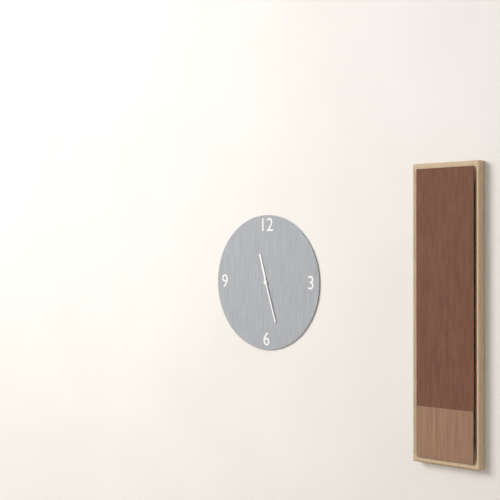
11:27
